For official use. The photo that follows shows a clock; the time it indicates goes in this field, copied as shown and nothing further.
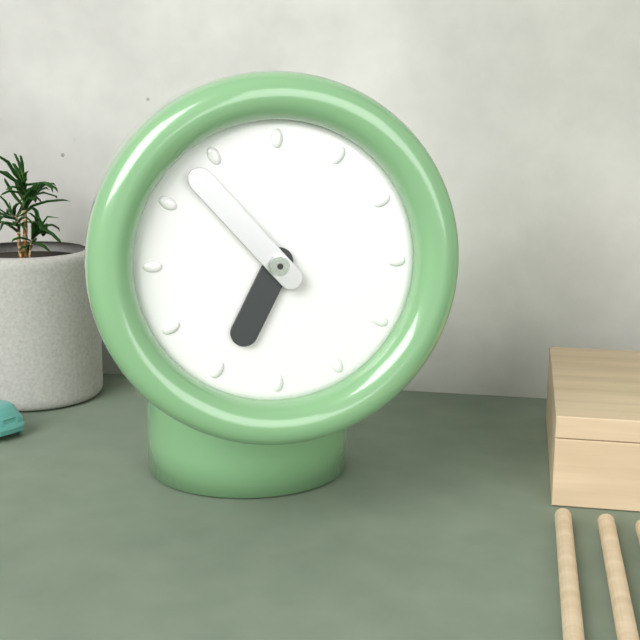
6:53
